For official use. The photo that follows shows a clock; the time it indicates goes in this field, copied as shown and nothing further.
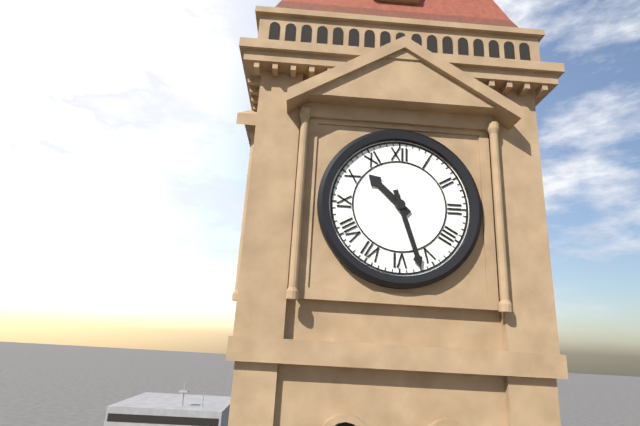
10:27
